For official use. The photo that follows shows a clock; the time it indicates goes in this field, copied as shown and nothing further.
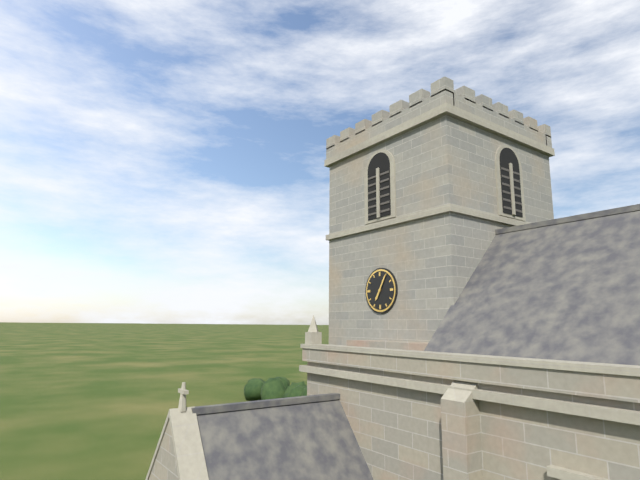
7:05
